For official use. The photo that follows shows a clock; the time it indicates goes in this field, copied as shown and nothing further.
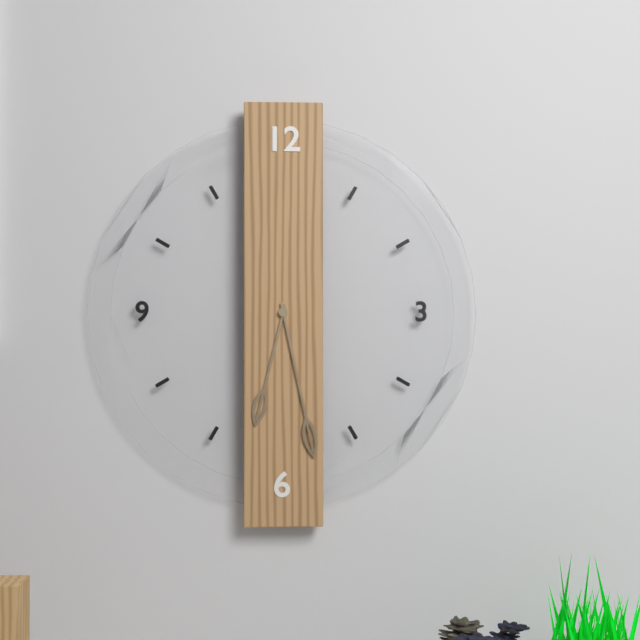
6:28
